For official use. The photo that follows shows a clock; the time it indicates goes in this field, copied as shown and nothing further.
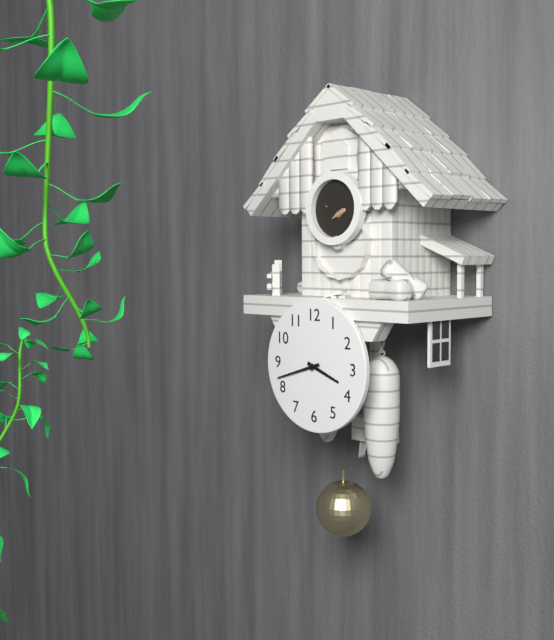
3:42
